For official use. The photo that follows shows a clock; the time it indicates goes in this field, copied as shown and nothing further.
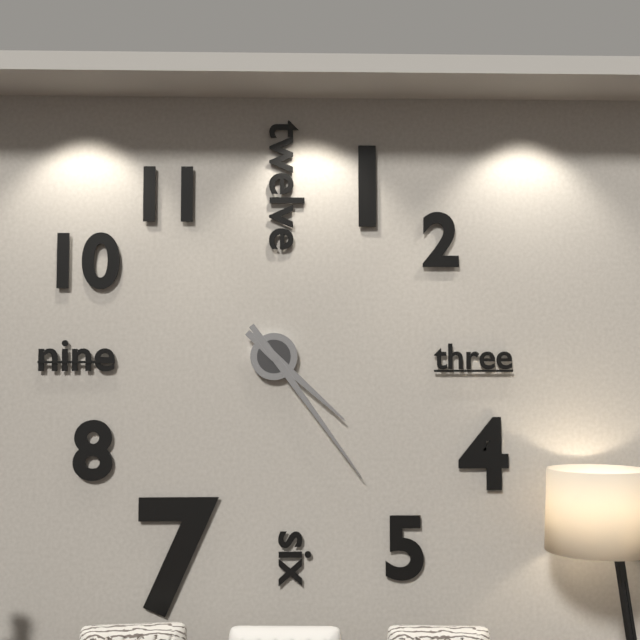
4:24
